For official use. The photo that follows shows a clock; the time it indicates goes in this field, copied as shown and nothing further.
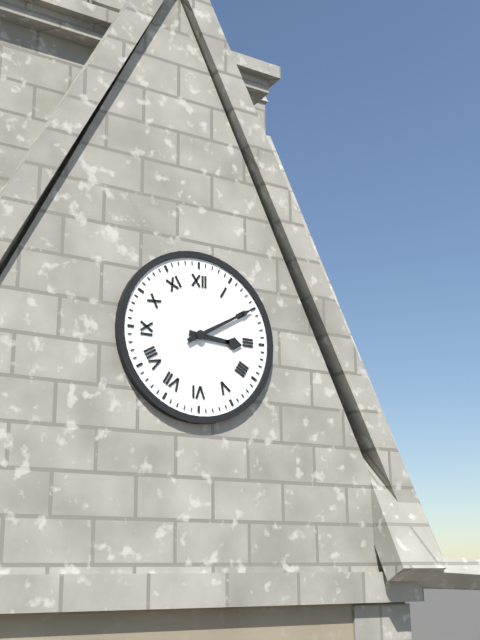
3:10
